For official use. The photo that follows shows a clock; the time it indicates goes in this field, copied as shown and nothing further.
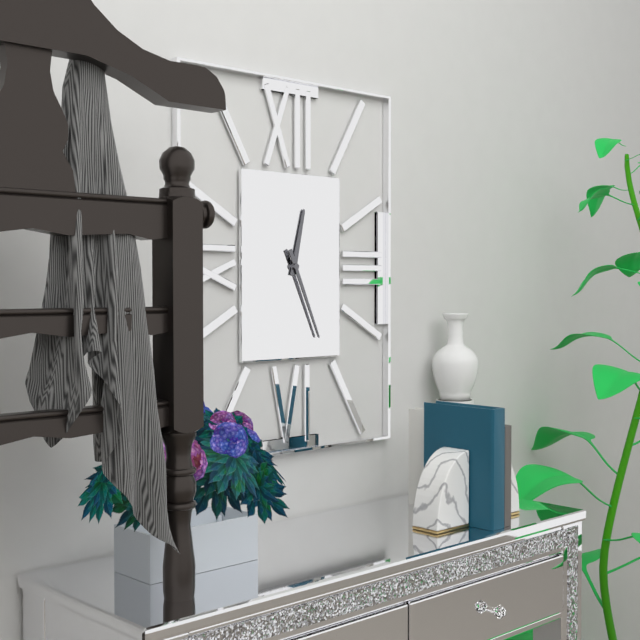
12:26
